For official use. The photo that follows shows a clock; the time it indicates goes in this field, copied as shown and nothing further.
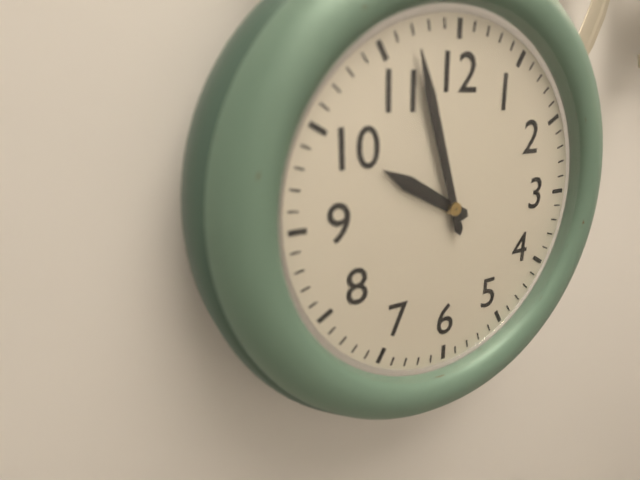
9:57
